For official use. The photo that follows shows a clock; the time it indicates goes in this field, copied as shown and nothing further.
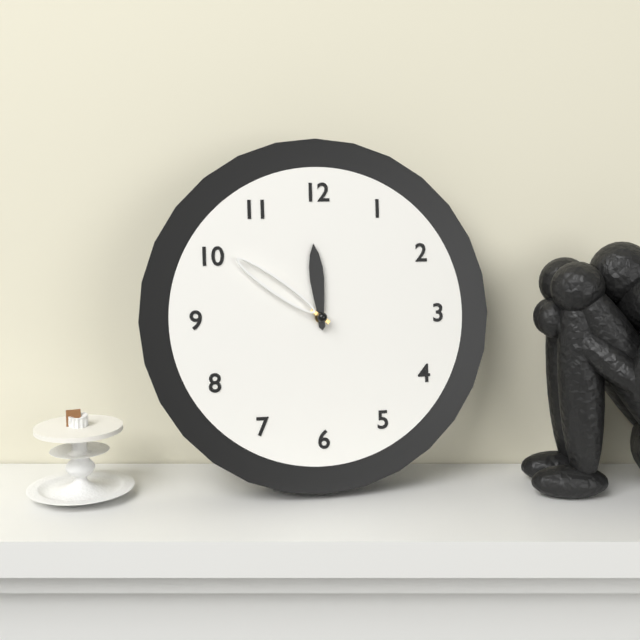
11:51
